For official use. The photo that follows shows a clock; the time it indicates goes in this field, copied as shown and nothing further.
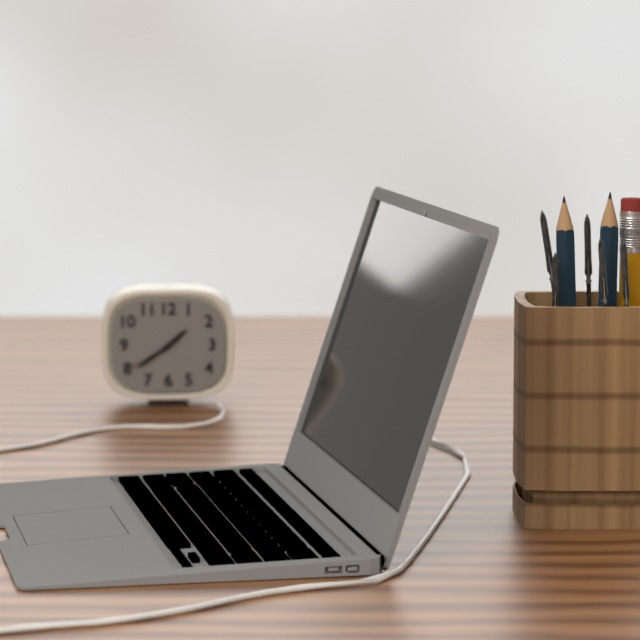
1:39:40
